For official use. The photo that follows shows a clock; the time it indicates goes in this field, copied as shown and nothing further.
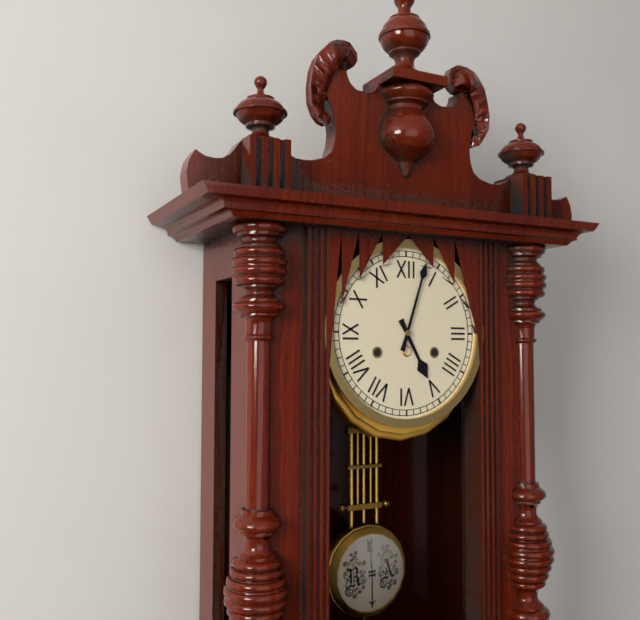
5:03
